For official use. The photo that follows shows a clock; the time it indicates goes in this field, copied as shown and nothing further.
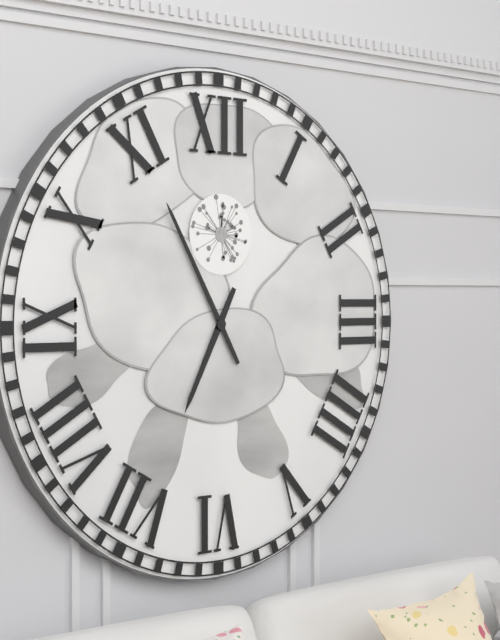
6:55
